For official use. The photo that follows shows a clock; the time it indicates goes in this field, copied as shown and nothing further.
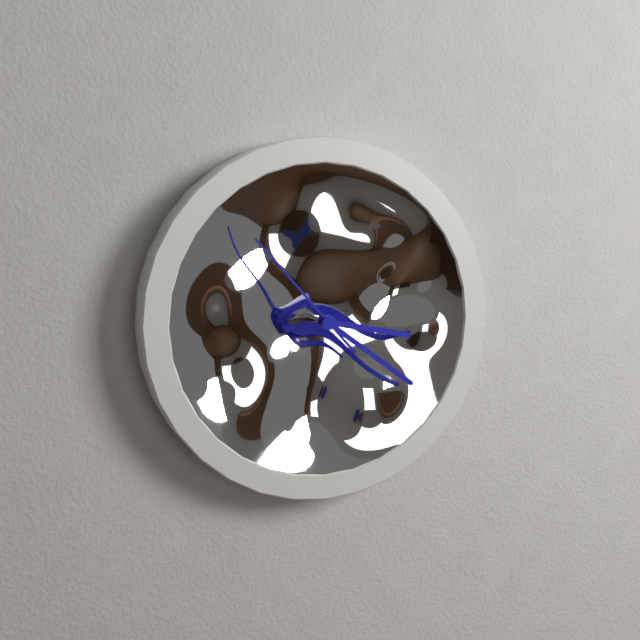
3:21:53
